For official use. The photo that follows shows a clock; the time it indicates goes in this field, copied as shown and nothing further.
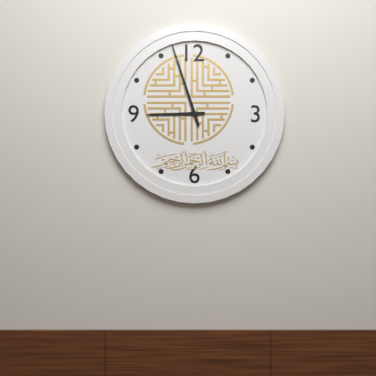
8:57
